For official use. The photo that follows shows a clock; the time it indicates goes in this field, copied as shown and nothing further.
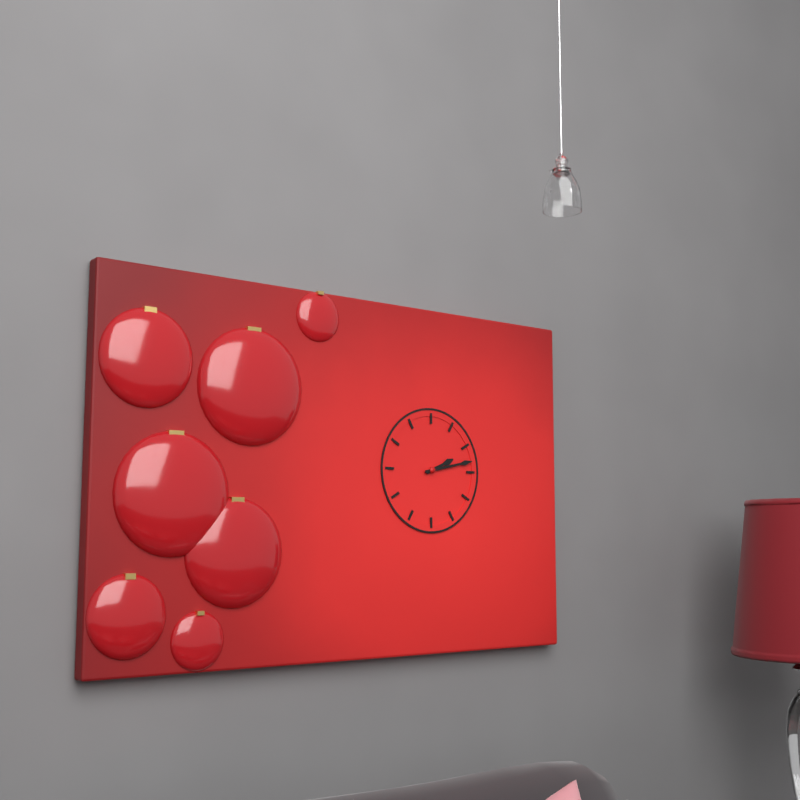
2:13
